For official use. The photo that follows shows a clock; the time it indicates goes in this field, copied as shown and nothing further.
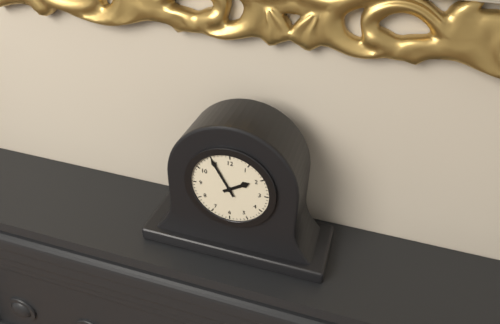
1:55
